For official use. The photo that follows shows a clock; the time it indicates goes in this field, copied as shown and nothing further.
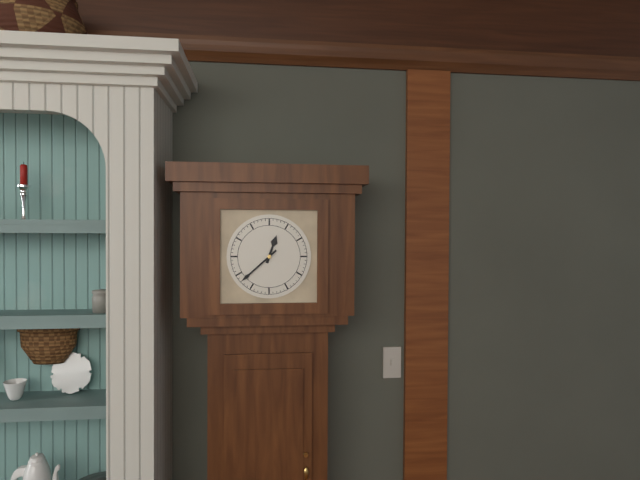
12:38
